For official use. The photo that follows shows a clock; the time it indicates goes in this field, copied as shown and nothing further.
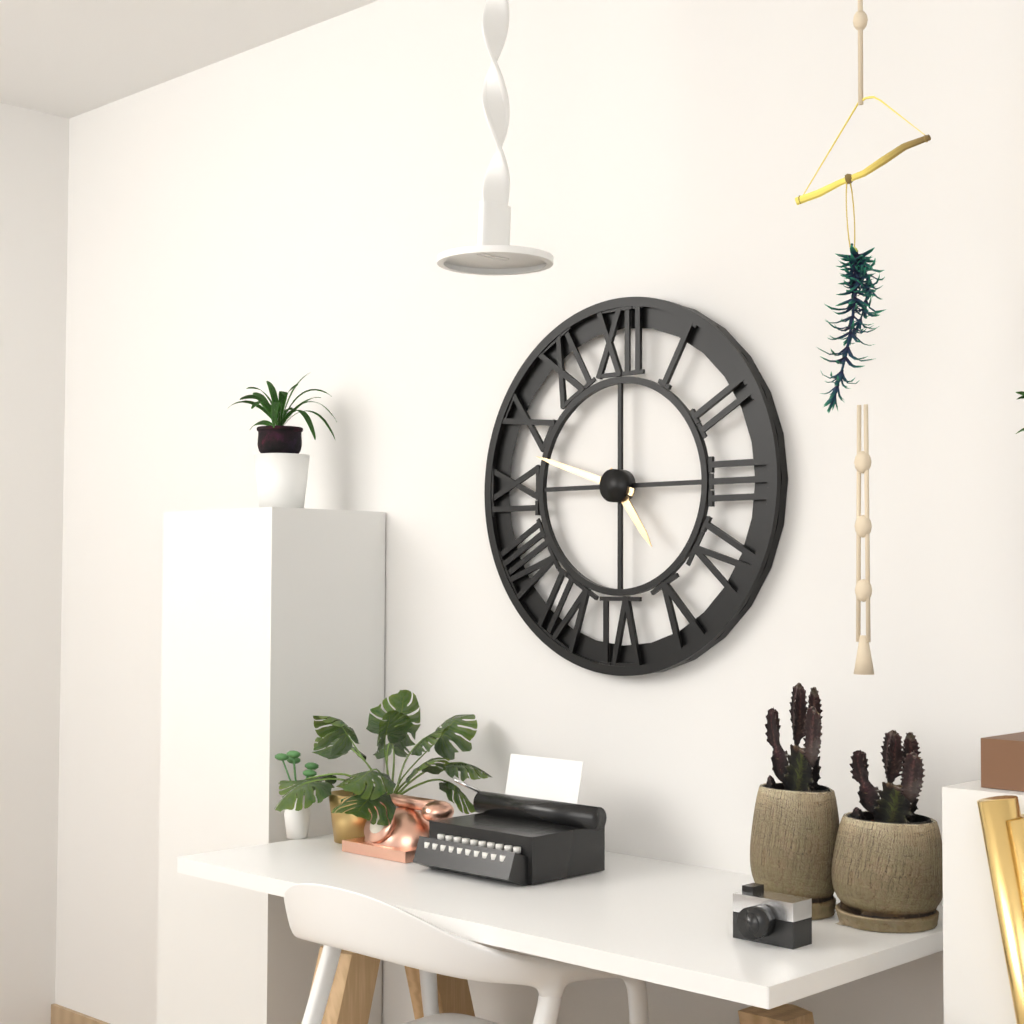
4:48
